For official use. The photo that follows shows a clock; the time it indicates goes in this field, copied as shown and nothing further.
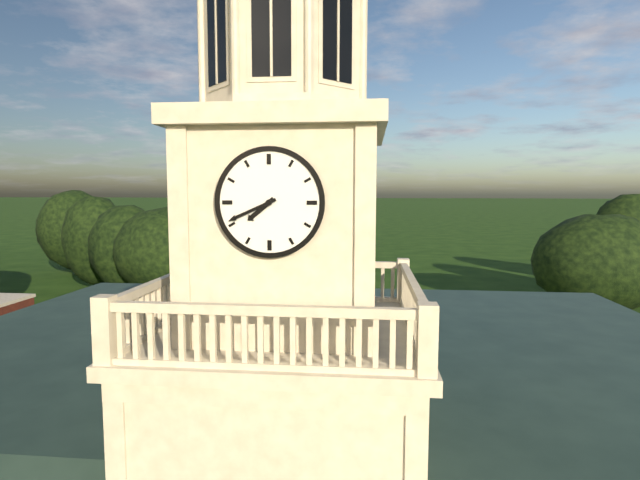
7:41
